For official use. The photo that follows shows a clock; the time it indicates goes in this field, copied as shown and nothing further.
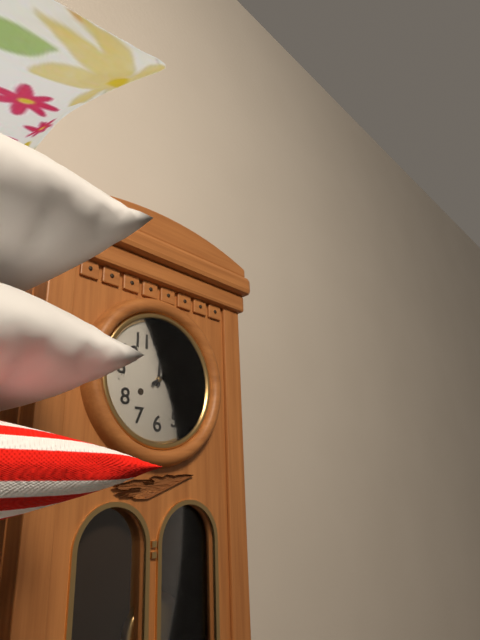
12:09
